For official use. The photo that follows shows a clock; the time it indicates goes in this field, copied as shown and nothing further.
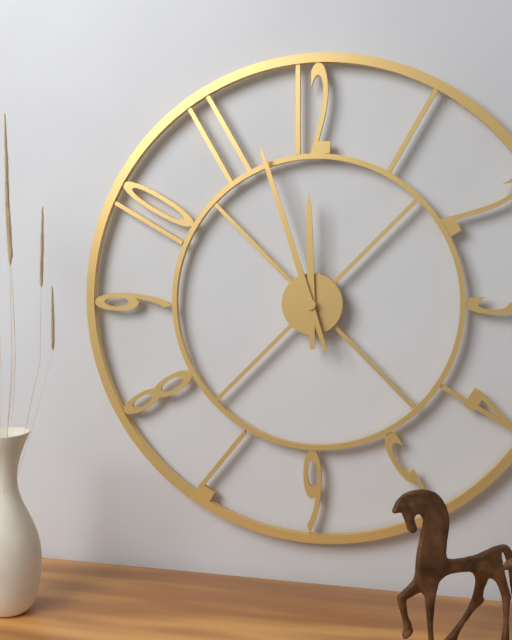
11:57
